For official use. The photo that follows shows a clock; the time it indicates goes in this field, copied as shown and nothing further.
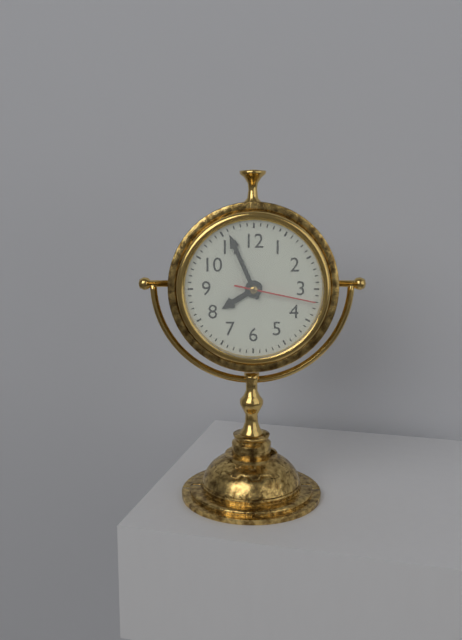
7:56:17
